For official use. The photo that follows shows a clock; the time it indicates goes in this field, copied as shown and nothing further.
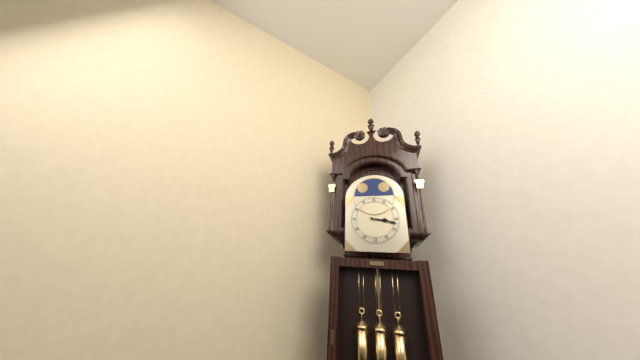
3:17
